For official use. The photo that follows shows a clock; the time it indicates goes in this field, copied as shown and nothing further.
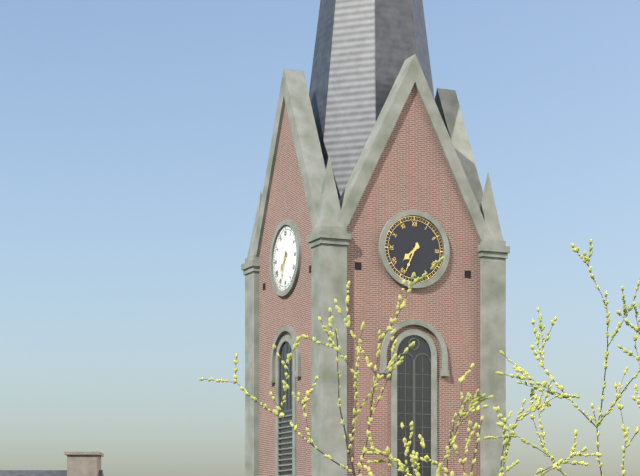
7:34
